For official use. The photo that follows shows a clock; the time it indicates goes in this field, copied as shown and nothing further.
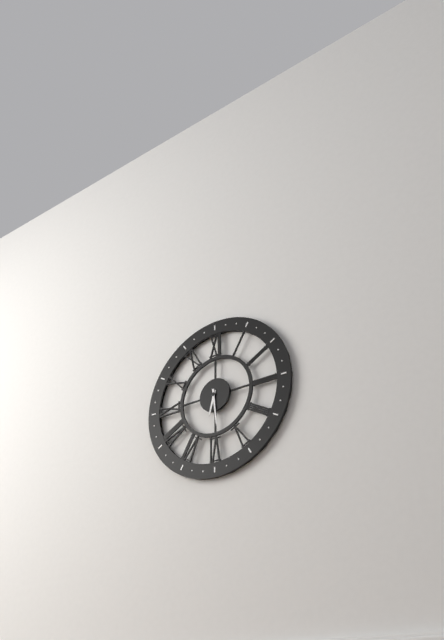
6:29
